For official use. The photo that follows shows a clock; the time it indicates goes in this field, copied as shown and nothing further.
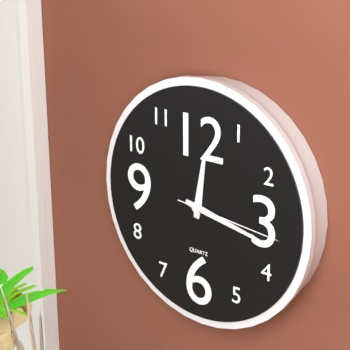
12:17:16
